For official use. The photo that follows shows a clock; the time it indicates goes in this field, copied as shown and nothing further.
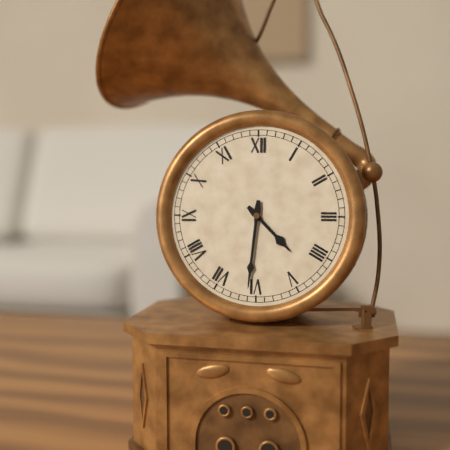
4:31
